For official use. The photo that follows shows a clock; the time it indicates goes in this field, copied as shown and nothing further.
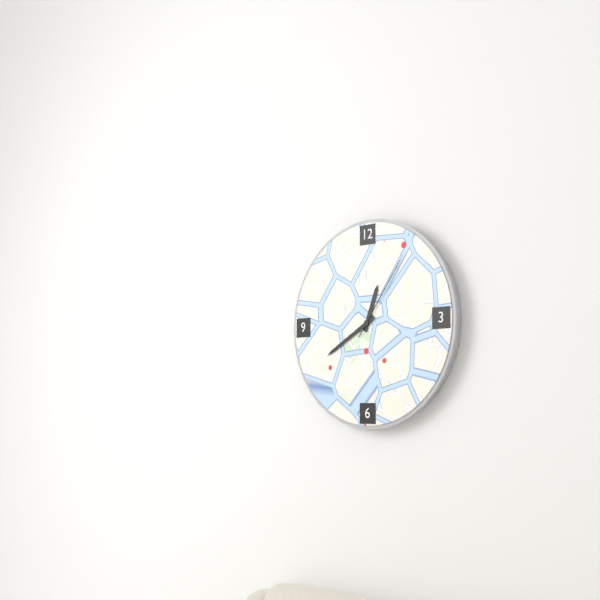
12:40:06
